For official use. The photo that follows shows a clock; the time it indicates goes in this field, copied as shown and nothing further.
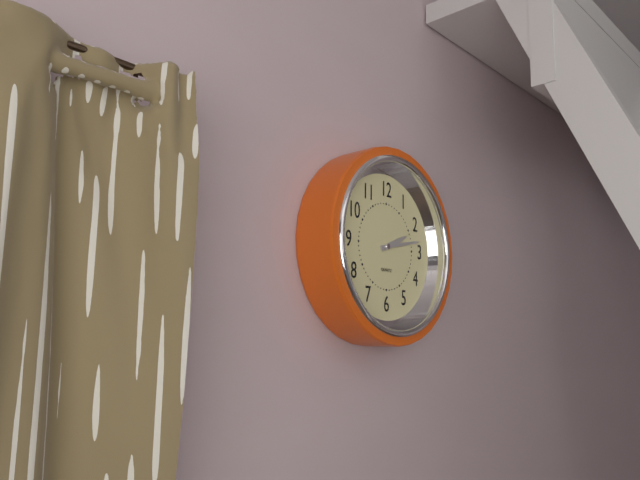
2:13
